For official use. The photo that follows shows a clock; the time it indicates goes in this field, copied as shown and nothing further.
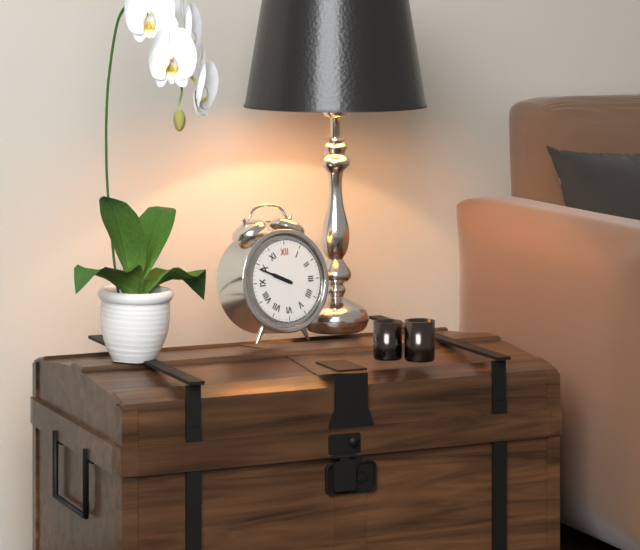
9:49
